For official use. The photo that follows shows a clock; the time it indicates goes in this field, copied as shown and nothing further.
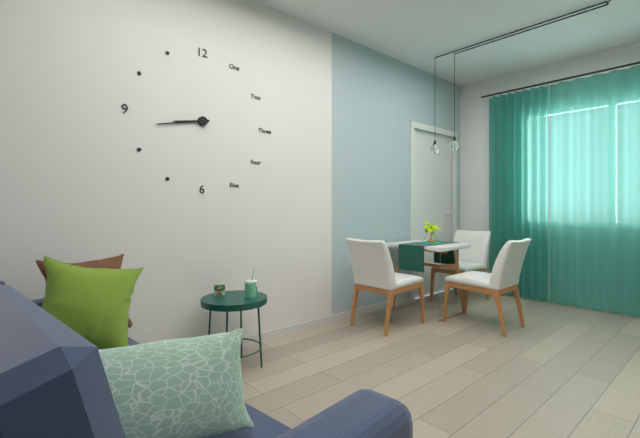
8:43
